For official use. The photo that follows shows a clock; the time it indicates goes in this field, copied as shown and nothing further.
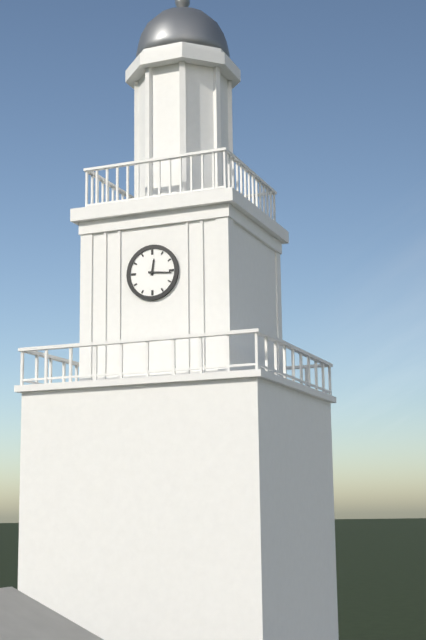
12:16
